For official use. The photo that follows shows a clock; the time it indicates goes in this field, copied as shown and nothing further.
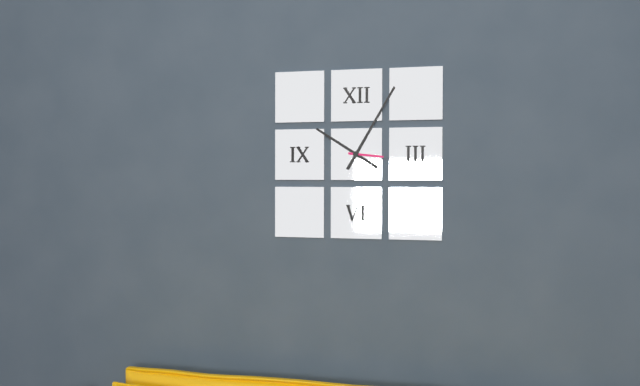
10:05
